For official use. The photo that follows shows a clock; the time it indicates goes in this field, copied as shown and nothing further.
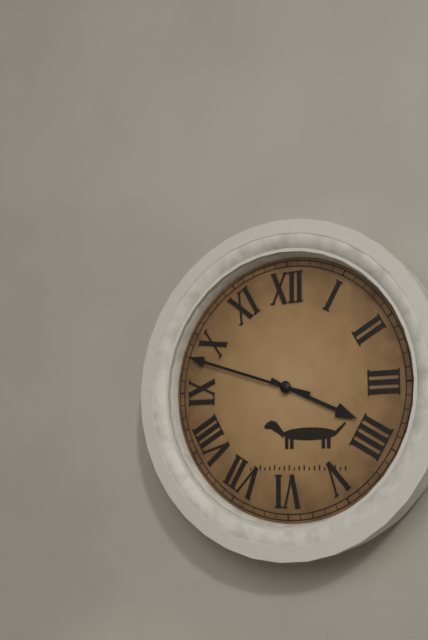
3:48
